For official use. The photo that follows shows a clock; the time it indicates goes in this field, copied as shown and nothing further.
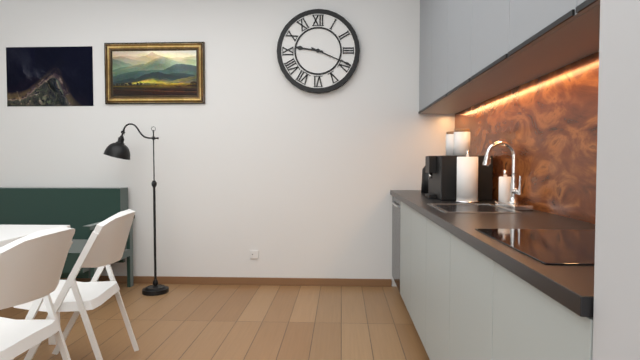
9:19
